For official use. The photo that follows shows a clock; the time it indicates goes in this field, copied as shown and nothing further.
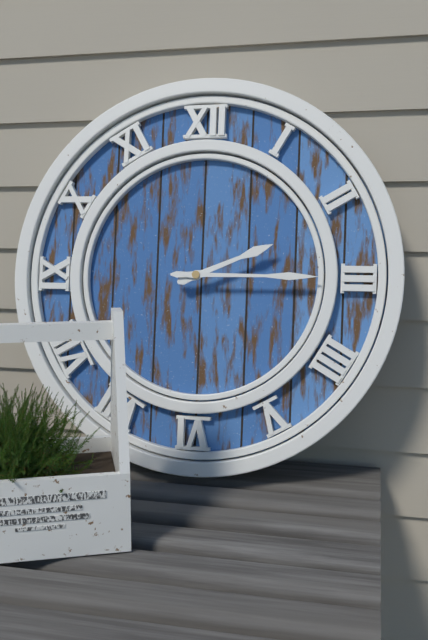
2:15
